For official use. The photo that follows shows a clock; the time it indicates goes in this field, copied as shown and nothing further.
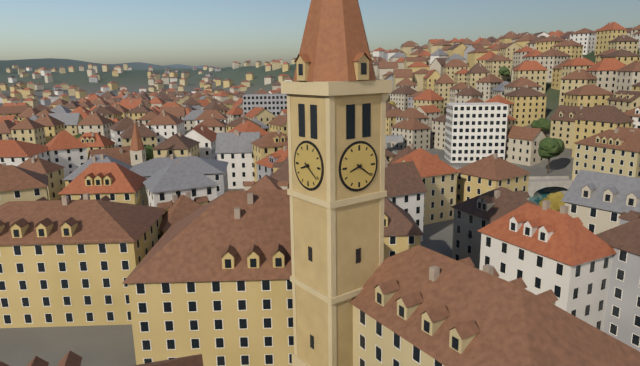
8:21
